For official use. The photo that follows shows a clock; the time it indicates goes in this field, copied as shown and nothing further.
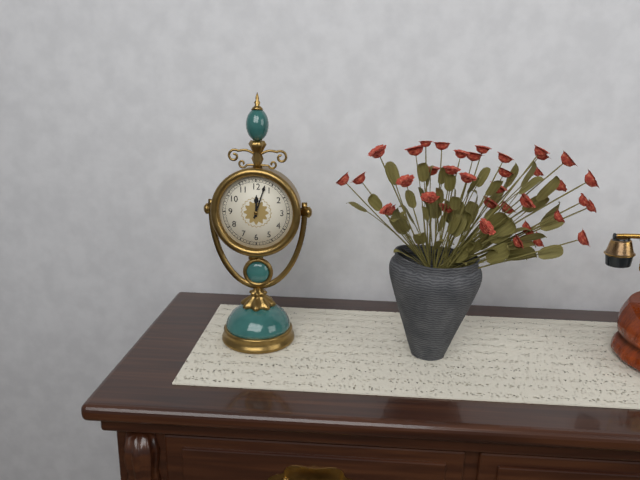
12:03
